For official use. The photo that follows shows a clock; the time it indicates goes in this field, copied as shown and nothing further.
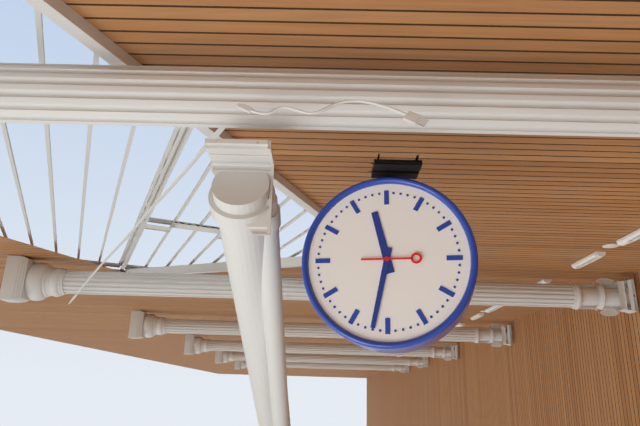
11:32
